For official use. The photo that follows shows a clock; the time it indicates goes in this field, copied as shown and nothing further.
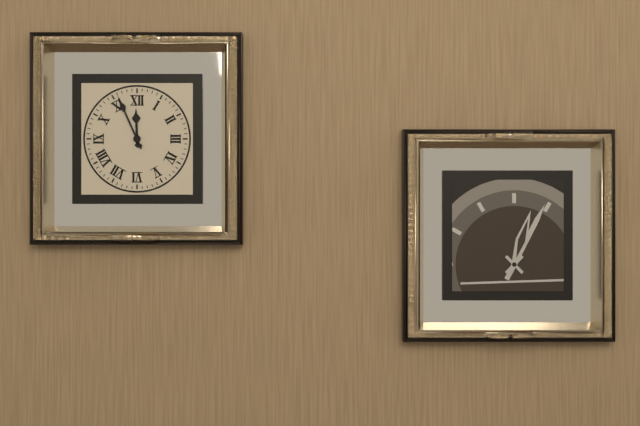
11:56
